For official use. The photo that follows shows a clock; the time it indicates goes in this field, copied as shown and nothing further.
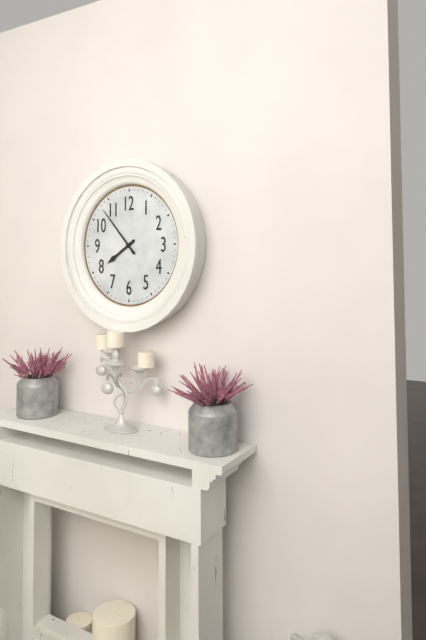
7:53
